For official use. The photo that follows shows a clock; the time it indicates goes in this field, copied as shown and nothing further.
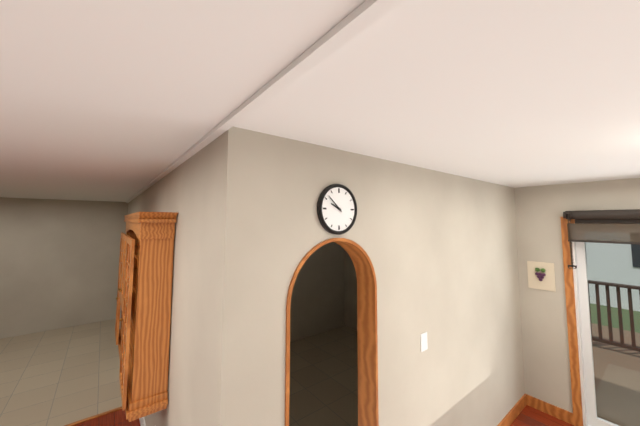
9:52
